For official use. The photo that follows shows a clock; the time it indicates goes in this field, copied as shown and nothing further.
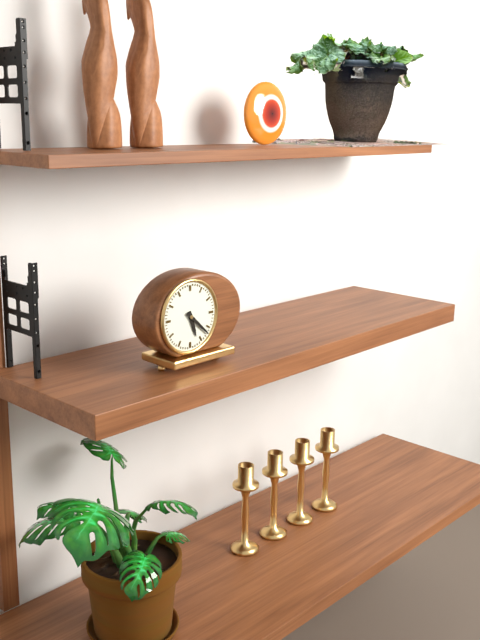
5:22
